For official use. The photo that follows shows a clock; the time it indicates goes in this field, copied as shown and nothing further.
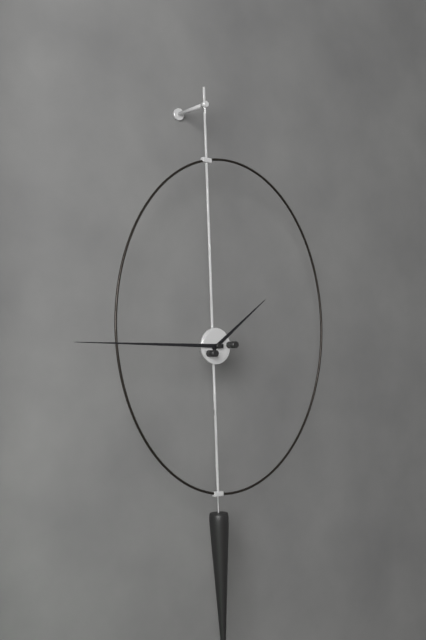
1:45
